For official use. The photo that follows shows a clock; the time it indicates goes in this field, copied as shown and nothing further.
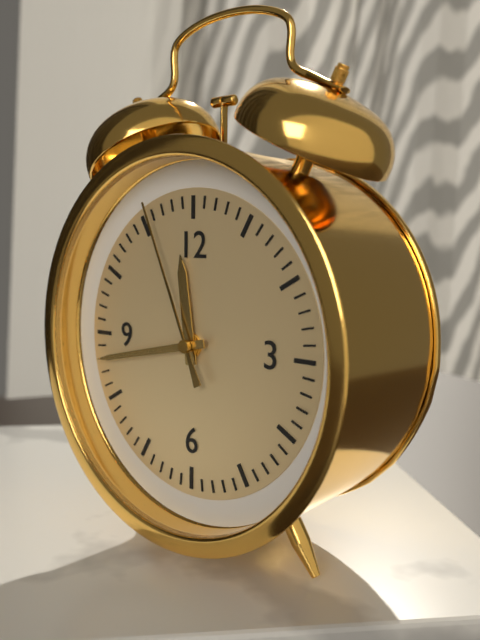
11:43:56
